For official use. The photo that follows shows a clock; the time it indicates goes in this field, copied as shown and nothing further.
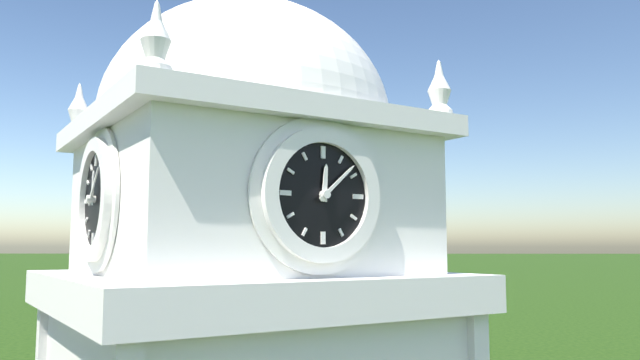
12:08
